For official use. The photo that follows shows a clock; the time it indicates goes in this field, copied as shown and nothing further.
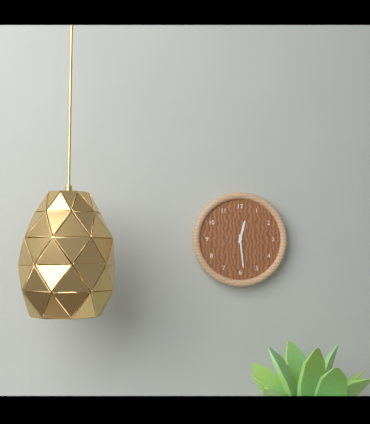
12:29
